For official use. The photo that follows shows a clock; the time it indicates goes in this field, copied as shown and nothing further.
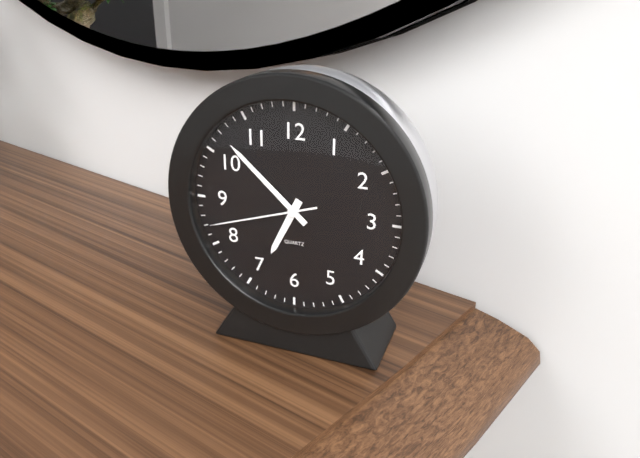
6:52:42
